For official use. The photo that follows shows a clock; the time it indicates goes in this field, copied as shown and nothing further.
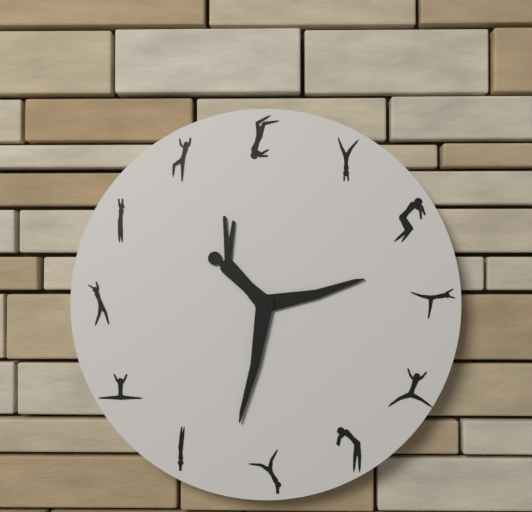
2:32
